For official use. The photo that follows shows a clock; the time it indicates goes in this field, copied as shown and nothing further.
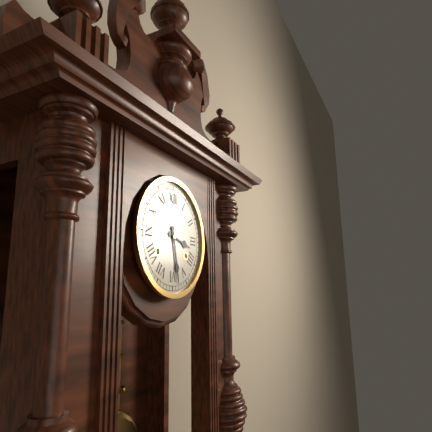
3:28
